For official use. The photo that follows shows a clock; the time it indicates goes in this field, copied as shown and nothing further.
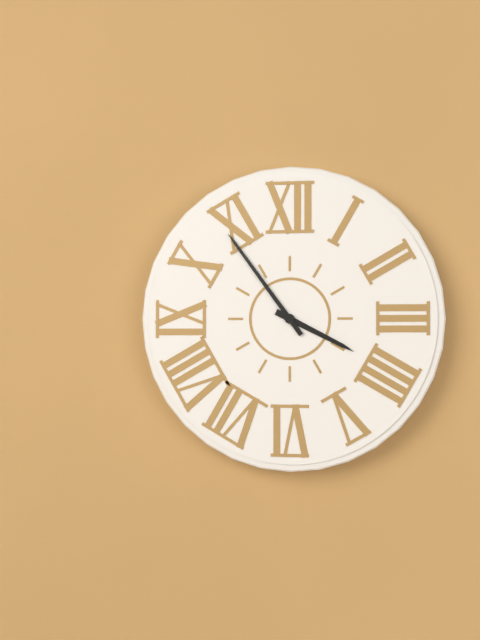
3:54
